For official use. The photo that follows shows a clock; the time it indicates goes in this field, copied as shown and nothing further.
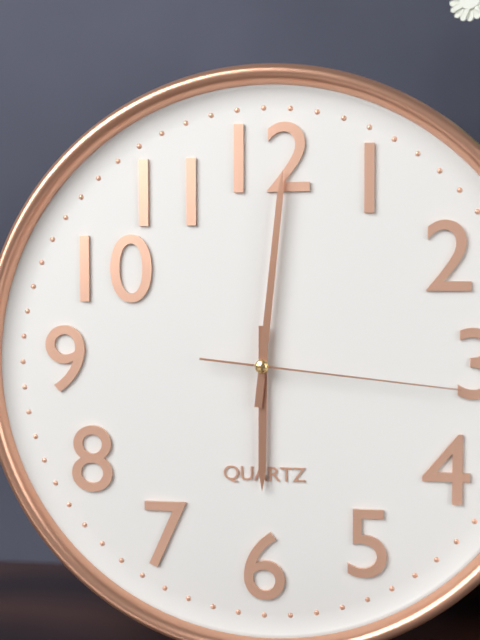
6:01:16
